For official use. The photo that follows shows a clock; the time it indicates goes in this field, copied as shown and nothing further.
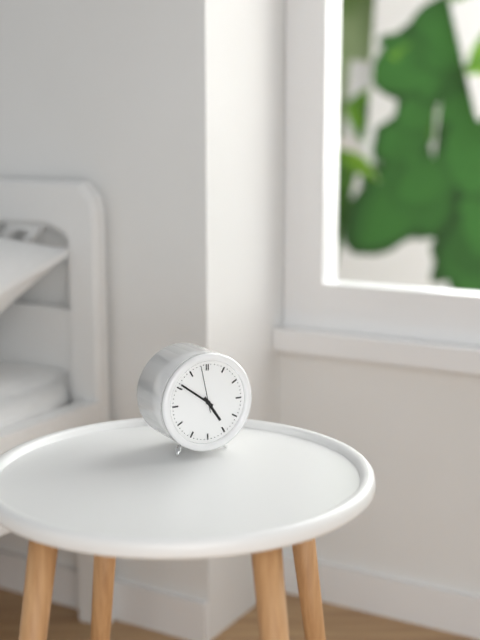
4:51
